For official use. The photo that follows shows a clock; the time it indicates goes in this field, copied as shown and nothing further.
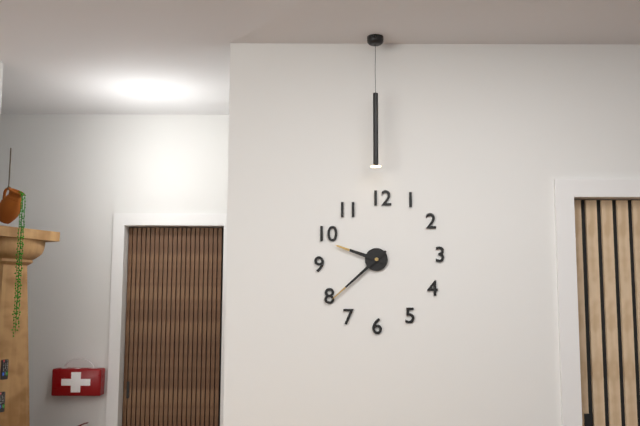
9:38
